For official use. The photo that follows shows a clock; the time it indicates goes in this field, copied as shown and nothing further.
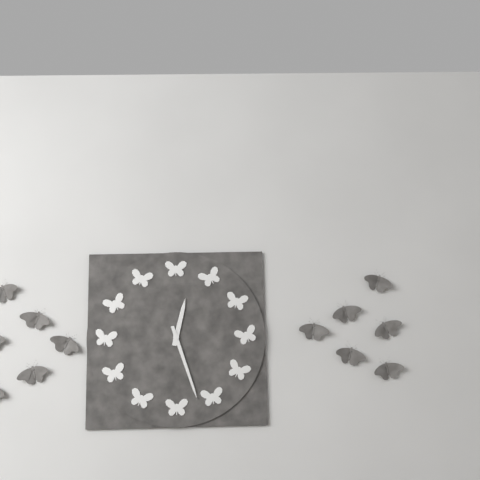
12:27
